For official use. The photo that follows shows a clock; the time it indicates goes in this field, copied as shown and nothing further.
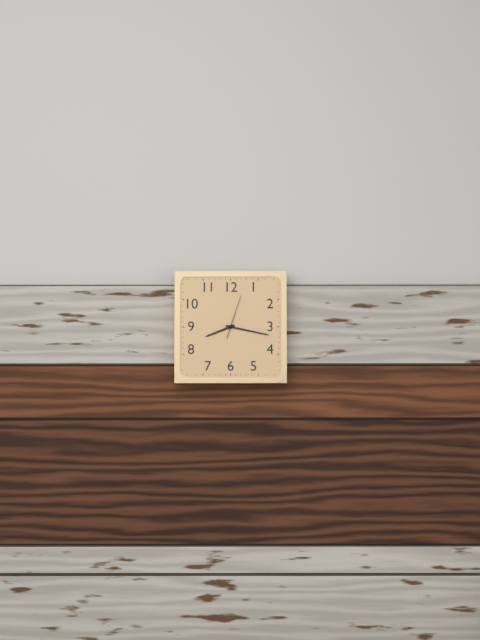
8:17
